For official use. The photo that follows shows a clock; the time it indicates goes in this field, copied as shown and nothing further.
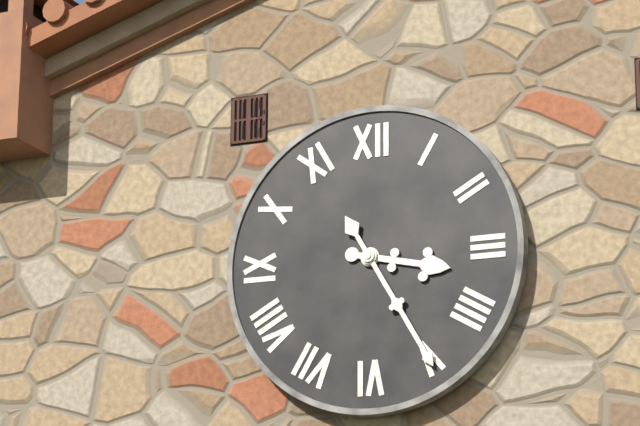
3:25
